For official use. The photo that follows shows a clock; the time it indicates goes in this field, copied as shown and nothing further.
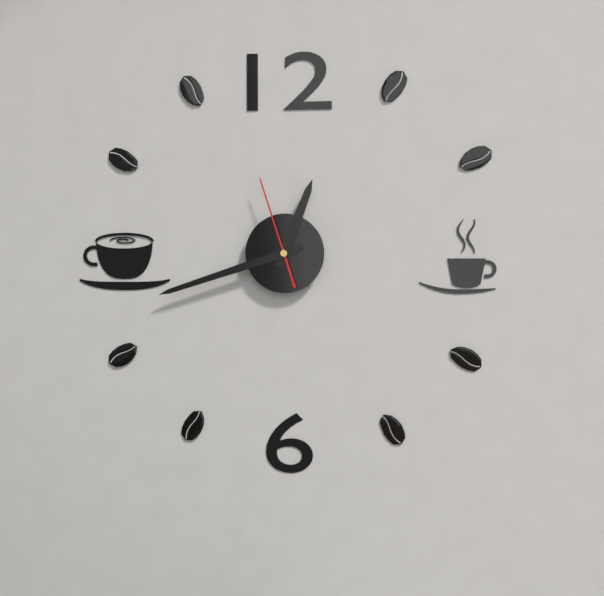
12:42:57
